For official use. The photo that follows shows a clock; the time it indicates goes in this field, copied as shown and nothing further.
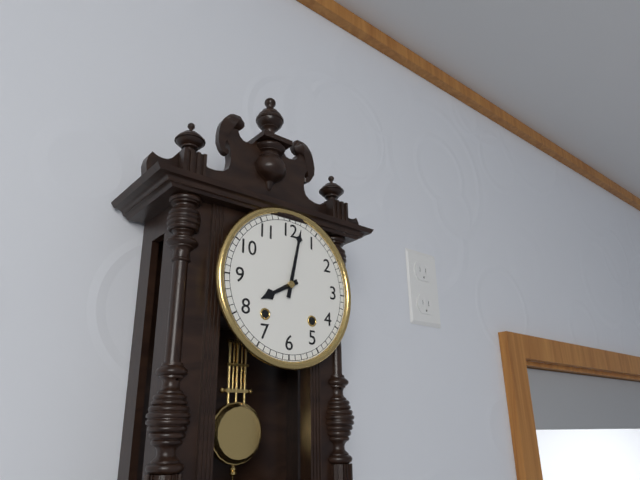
8:02
